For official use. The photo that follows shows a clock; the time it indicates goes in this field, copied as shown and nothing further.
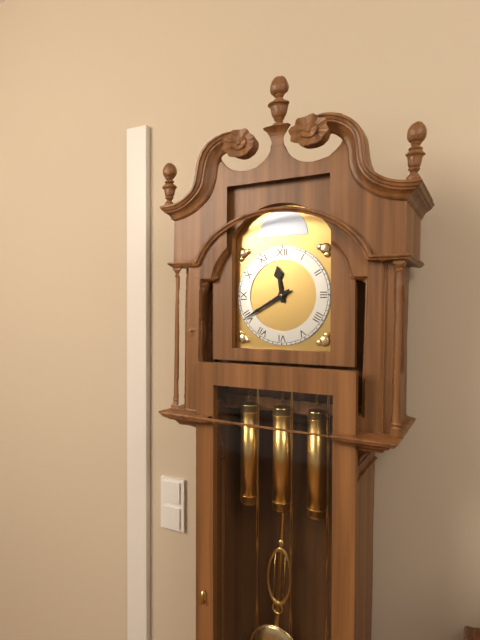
11:40
